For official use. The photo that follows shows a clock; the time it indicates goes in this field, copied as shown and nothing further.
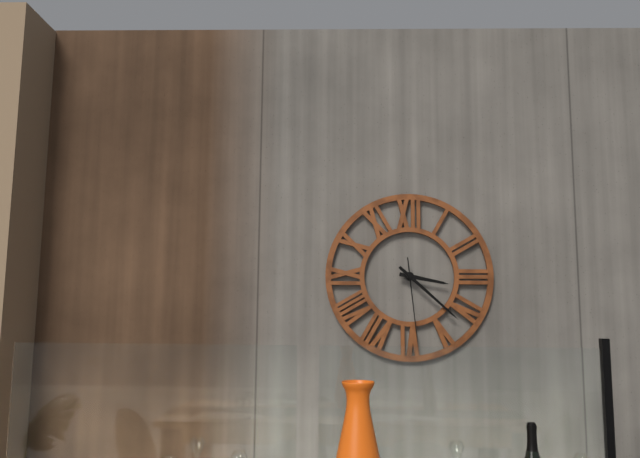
3:22:29
